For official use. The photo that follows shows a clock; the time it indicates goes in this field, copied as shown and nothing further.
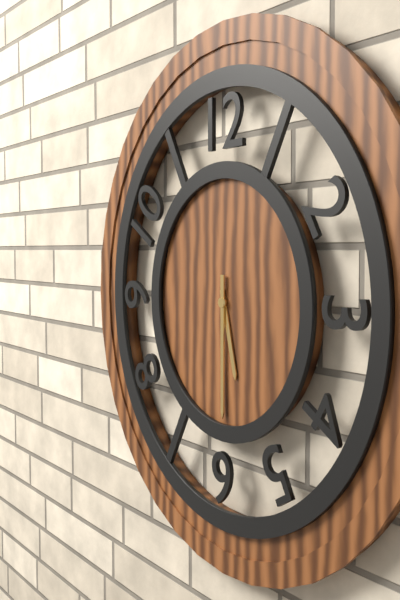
5:30
